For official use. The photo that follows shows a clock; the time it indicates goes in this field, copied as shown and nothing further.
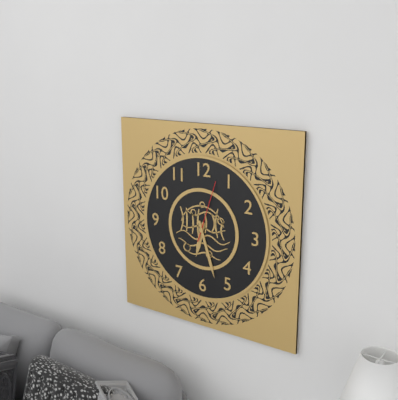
6:27:03
